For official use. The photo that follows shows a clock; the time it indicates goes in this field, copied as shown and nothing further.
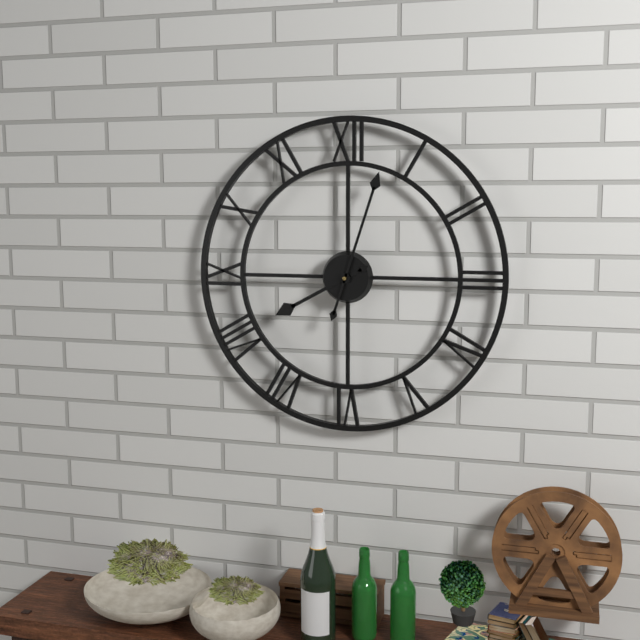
8:03
